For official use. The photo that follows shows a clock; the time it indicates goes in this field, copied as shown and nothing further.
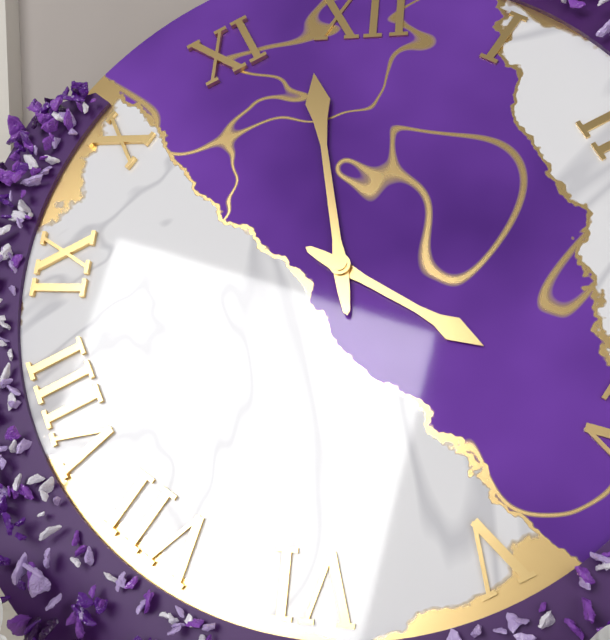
3:58
